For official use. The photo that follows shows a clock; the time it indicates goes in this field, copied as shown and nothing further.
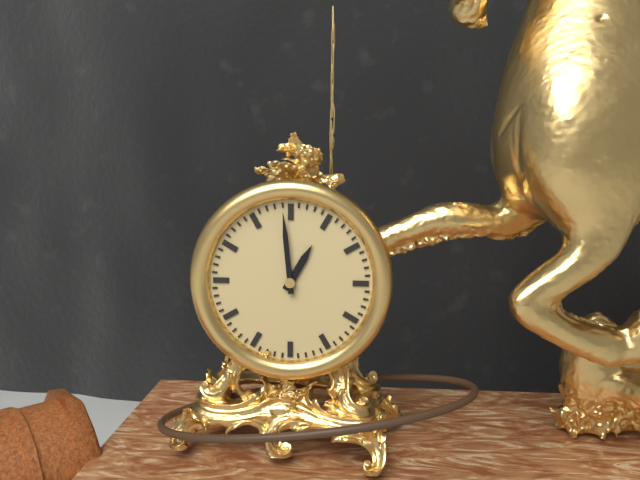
12:59
